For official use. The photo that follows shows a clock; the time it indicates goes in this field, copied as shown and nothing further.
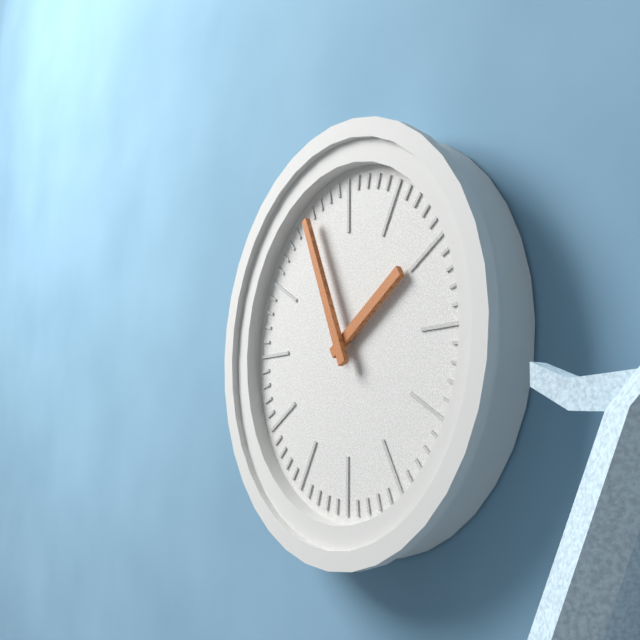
1:56
